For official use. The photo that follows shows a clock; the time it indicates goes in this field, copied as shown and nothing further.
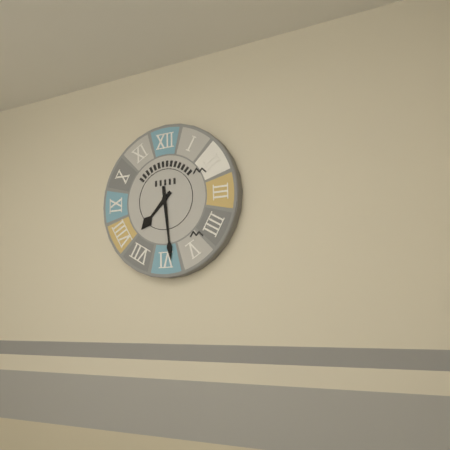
7:29
